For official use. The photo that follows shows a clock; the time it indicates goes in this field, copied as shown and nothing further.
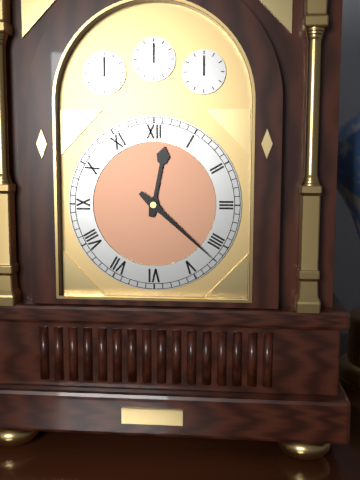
12:22
